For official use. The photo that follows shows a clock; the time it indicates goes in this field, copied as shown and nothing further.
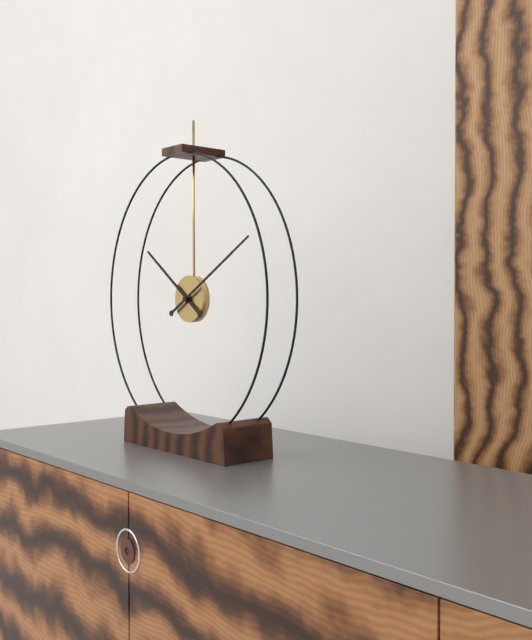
10:10
